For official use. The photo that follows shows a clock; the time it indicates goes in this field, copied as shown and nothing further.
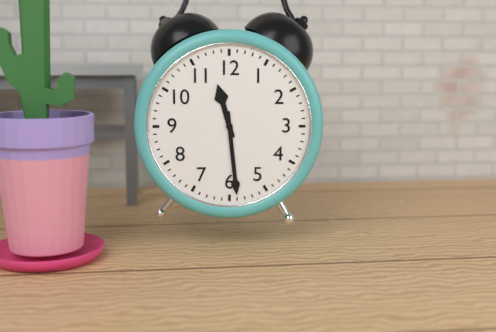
11:29
